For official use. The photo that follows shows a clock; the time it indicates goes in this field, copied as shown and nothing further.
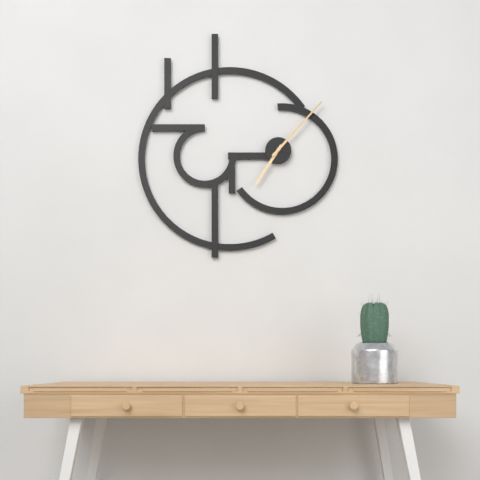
7:07
